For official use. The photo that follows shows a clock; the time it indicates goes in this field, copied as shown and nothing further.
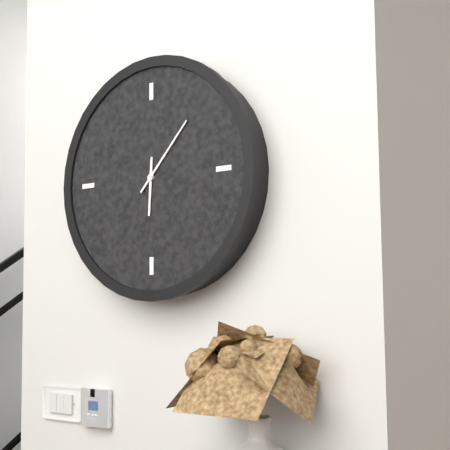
6:07
